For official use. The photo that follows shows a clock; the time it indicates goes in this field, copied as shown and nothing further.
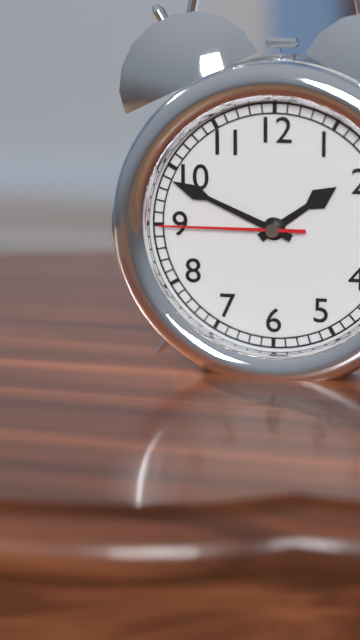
1:49:45
